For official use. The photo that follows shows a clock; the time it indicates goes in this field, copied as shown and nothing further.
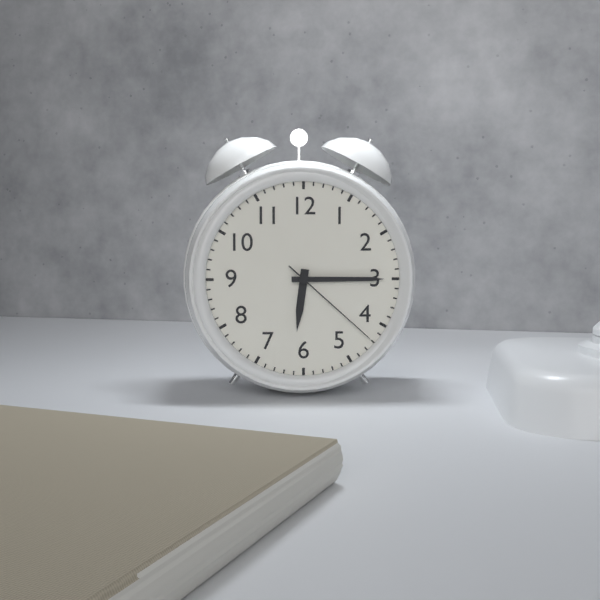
6:15:22
